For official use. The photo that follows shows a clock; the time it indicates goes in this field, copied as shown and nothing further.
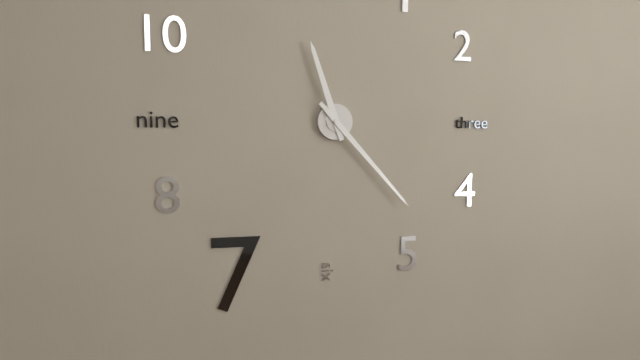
11:23
